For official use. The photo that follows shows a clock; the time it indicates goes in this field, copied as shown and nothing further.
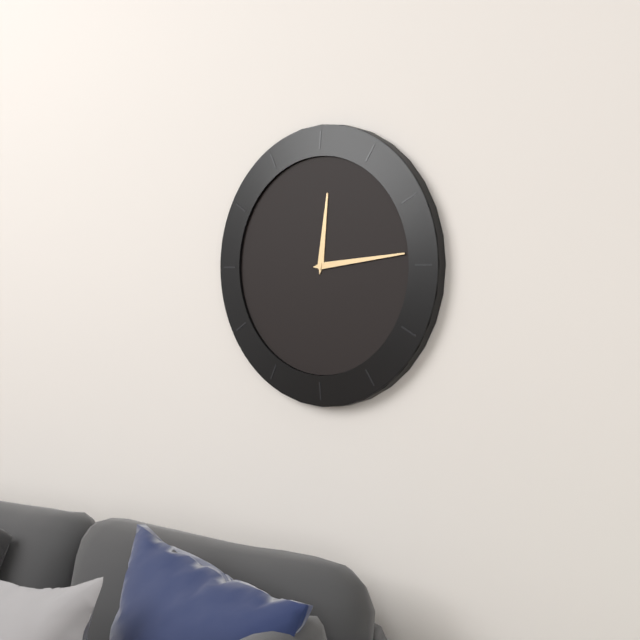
12:14
